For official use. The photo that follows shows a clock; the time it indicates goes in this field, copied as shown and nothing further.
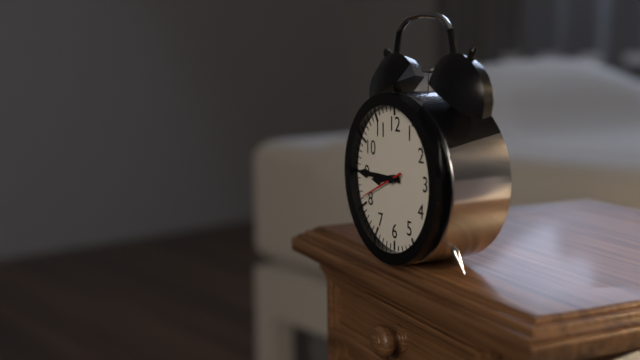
8:45
